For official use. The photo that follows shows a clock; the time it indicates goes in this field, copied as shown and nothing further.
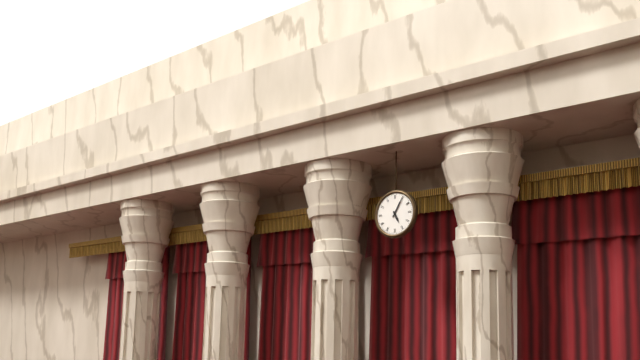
5:05
